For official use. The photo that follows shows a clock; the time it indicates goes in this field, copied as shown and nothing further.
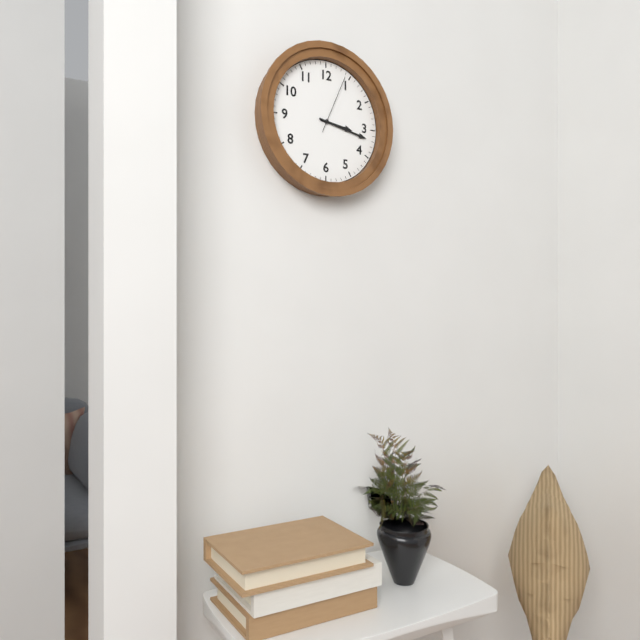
3:17:04
